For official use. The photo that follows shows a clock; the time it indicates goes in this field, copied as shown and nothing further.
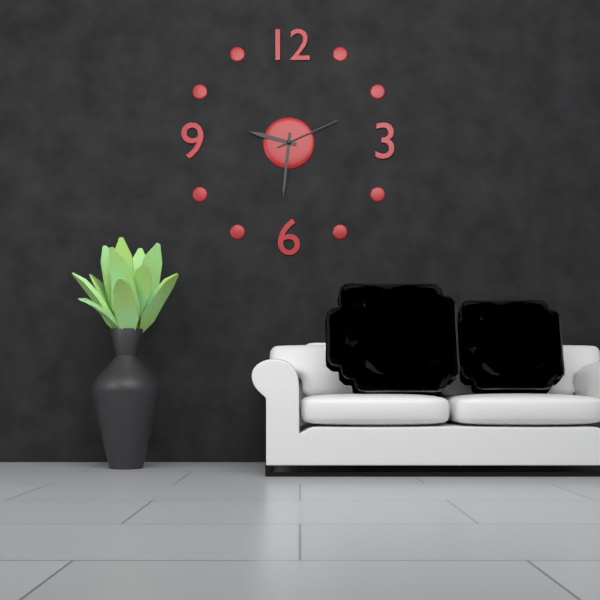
9:31:11
